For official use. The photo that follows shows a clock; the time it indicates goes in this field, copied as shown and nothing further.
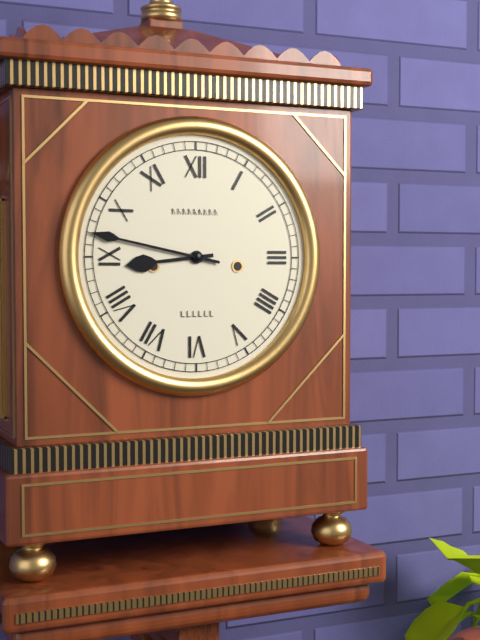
8:47
